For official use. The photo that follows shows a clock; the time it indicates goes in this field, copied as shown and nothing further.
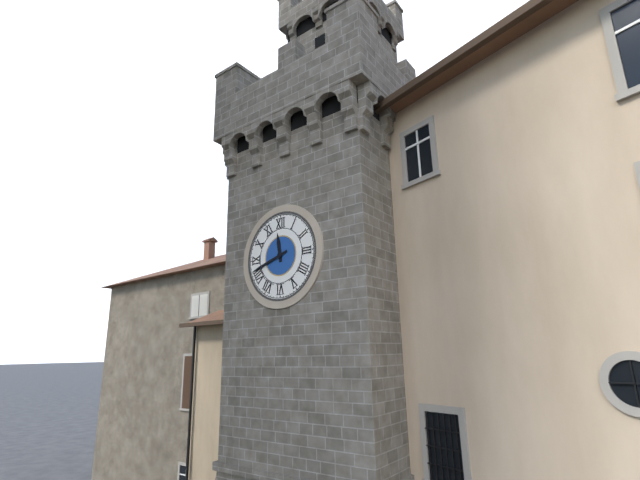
11:42
